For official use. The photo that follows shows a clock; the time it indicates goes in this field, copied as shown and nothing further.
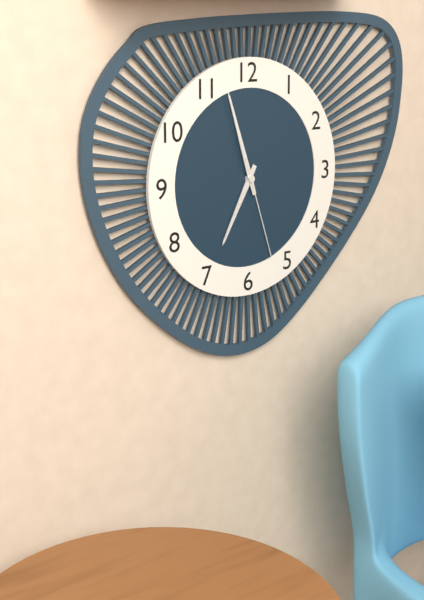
6:57:27
